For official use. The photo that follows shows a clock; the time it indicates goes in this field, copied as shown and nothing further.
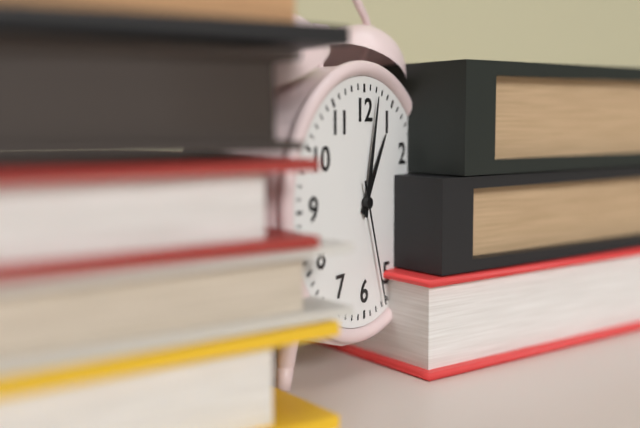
1:02:27
